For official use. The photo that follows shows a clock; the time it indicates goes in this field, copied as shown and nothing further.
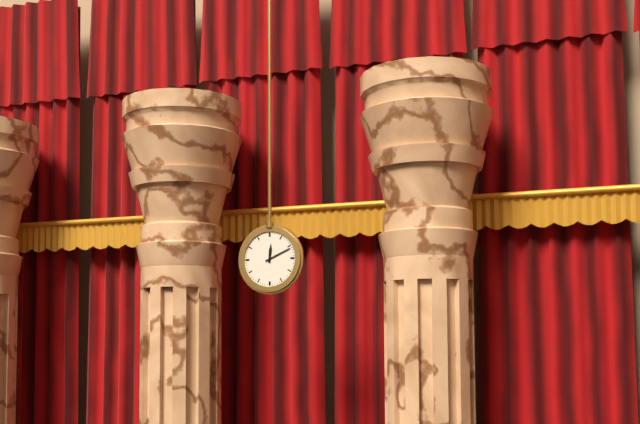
12:11
